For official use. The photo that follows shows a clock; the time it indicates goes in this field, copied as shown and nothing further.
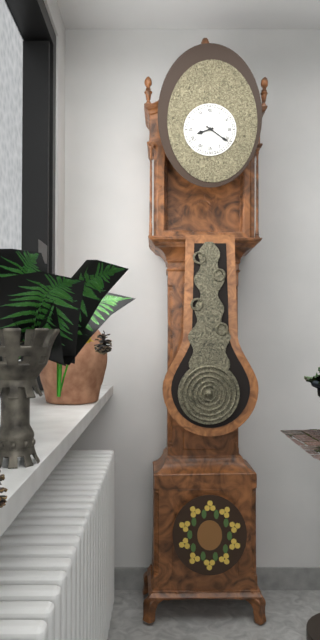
8:21
